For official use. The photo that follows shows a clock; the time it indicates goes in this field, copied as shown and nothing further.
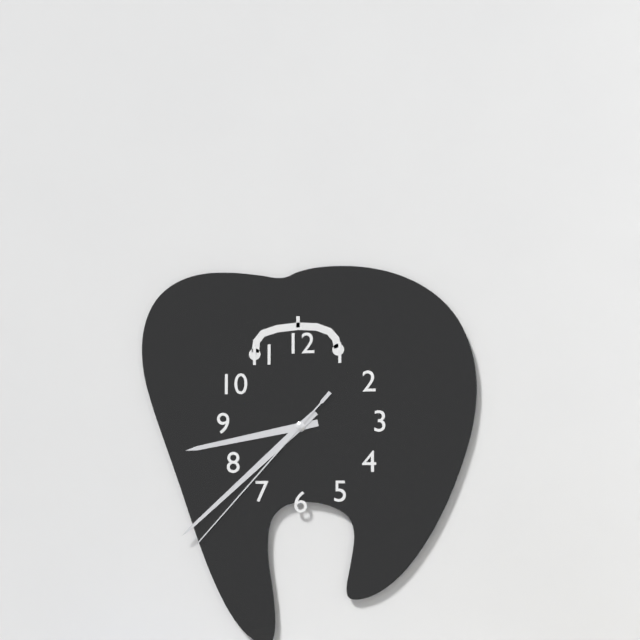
8:38:37
